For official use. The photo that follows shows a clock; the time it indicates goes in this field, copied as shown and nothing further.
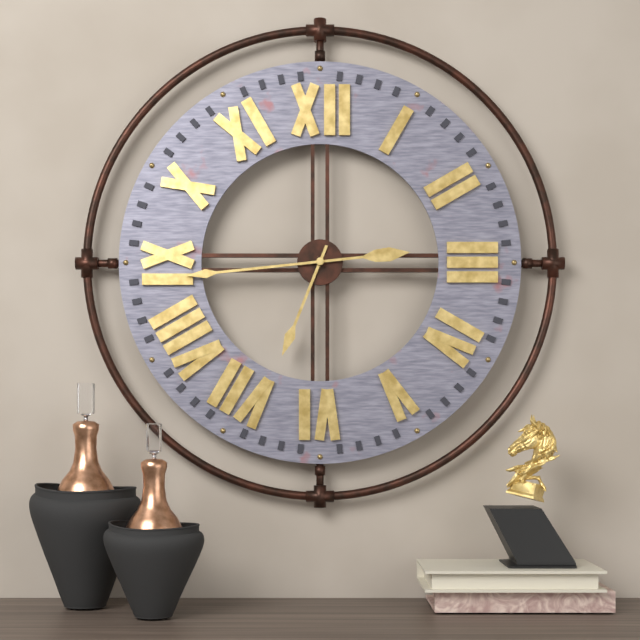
6:44
